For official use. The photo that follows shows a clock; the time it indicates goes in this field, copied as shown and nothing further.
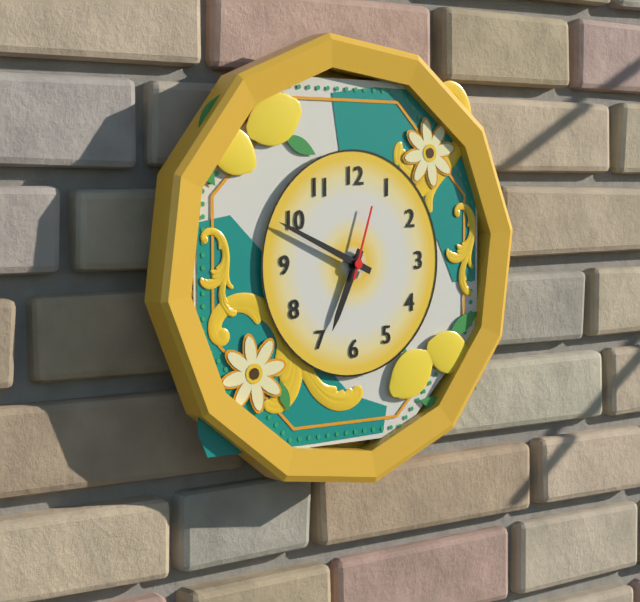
6:49:03
